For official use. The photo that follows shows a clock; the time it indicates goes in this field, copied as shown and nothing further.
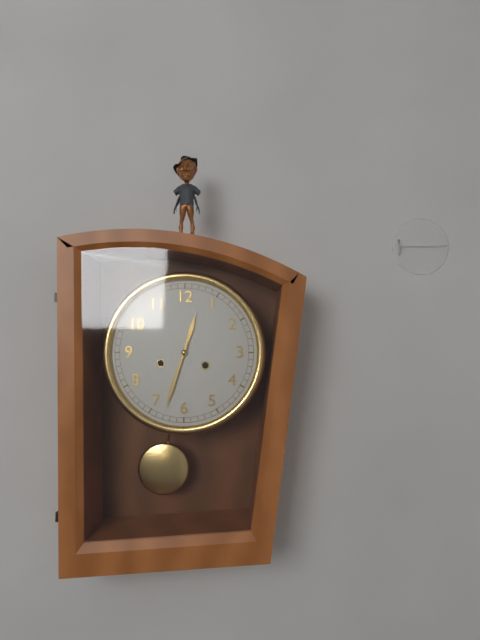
12:33
